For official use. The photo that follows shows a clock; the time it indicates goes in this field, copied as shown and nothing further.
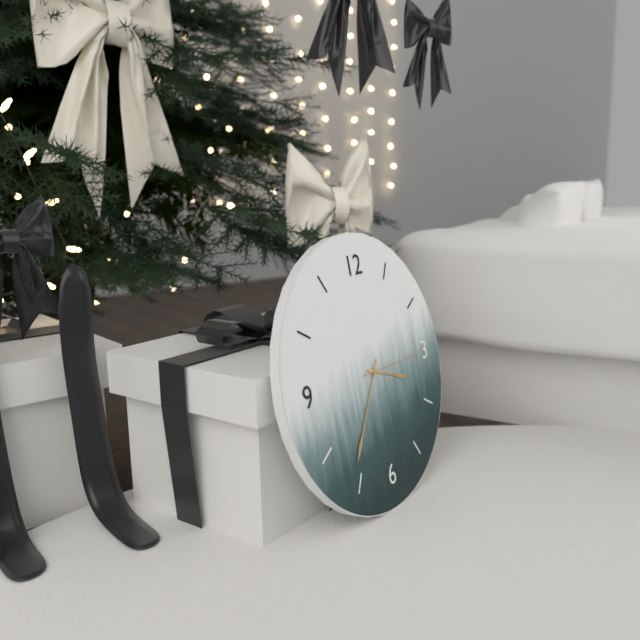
3:36:15
